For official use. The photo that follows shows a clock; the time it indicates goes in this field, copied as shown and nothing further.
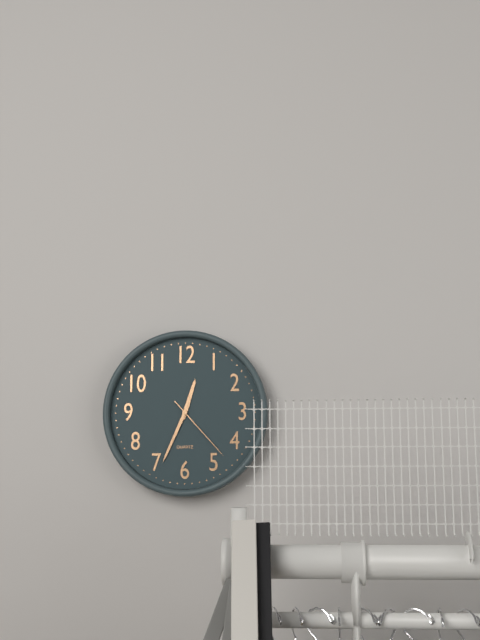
12:34:23
